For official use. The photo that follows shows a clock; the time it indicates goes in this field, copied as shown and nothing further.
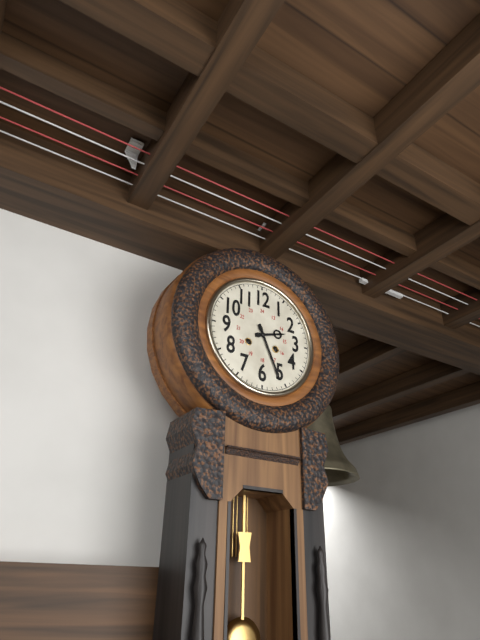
2:26
